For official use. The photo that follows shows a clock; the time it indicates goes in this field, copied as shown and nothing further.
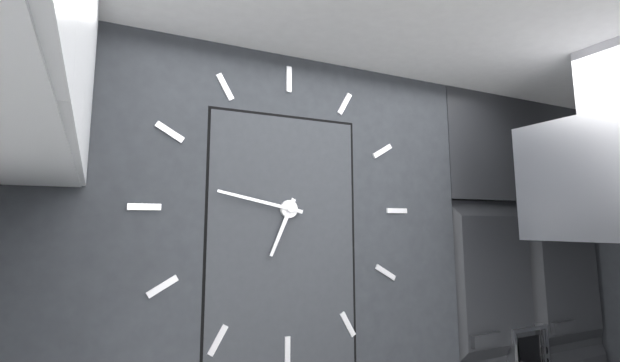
6:47
